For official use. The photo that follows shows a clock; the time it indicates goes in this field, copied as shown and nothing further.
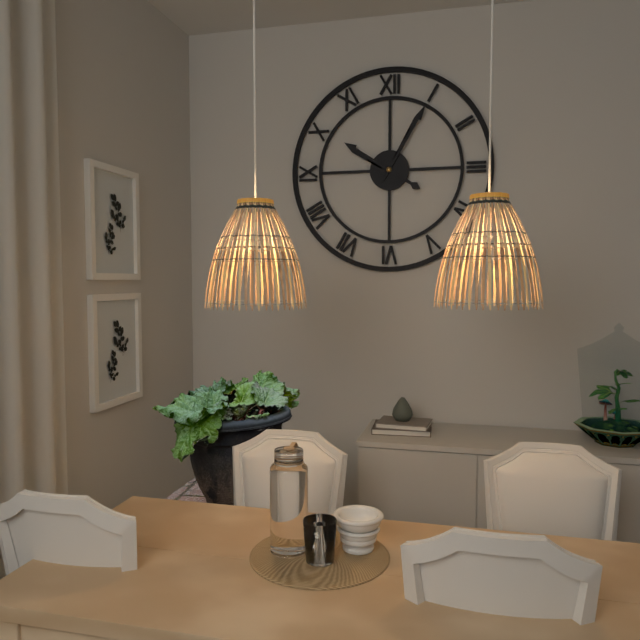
10:05
